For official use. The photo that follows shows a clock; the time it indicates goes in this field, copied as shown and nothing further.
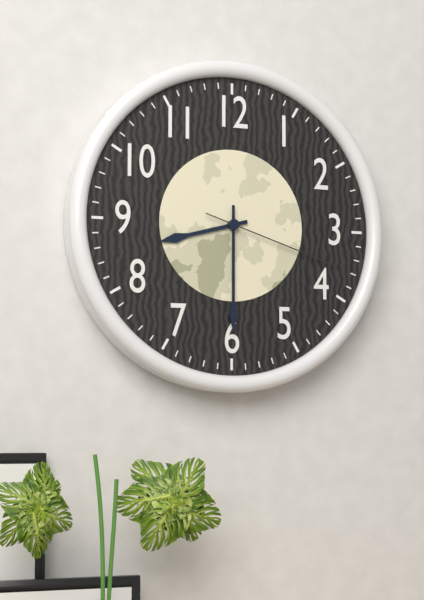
8:30:18
